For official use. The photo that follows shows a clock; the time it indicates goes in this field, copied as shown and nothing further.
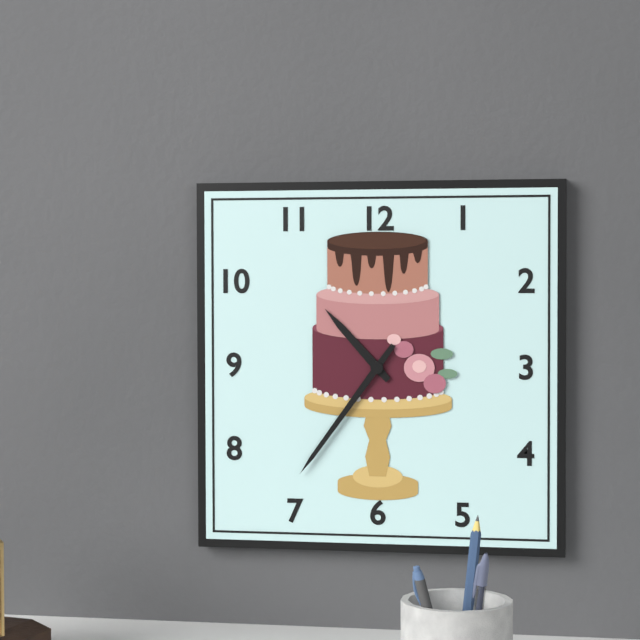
10:36
